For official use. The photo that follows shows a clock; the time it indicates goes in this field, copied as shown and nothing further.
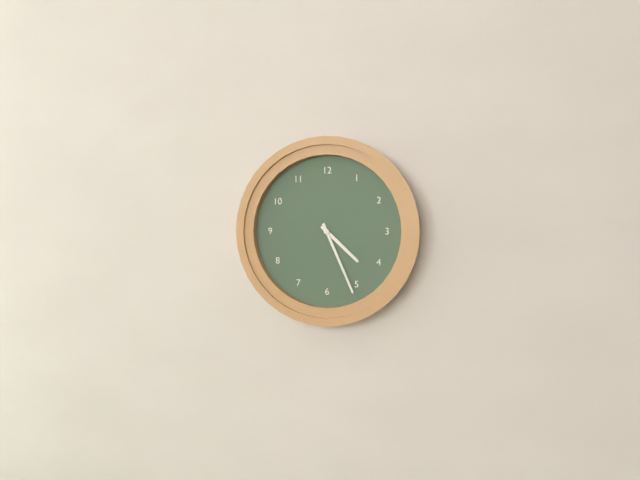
4:26
